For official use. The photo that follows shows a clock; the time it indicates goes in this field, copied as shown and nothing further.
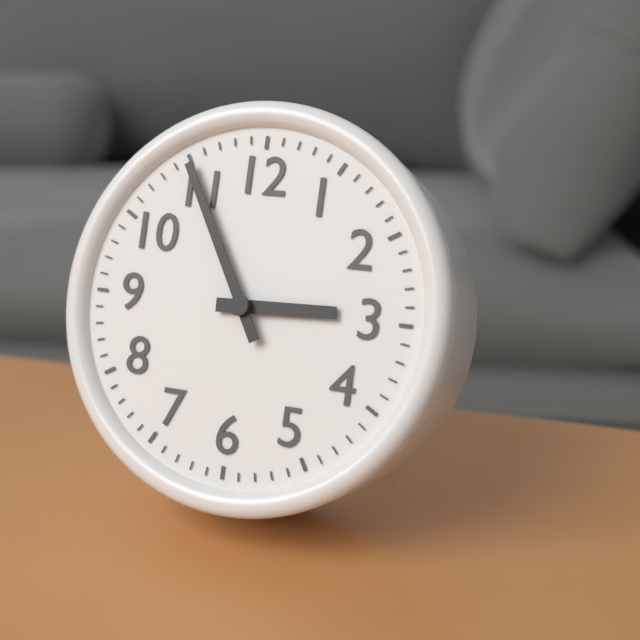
2:55
